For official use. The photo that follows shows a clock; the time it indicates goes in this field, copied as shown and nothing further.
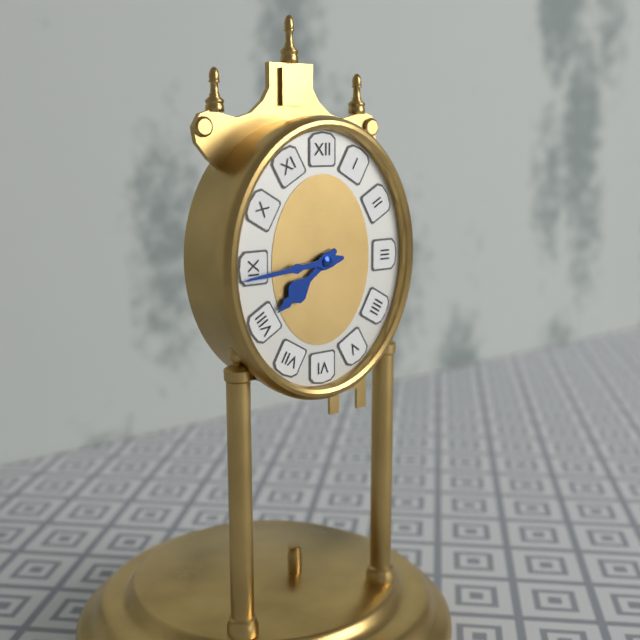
7:44
